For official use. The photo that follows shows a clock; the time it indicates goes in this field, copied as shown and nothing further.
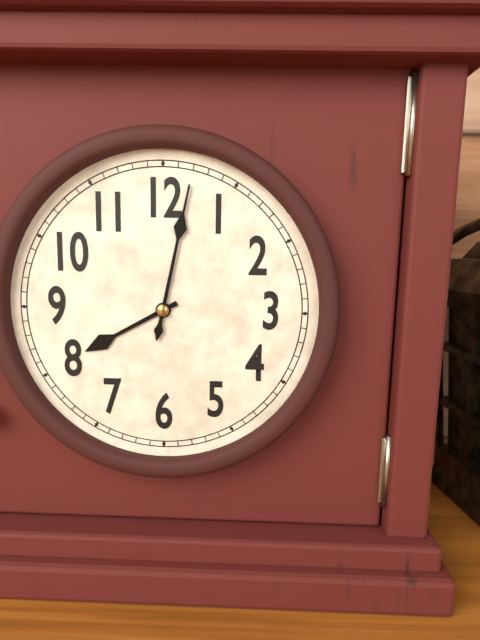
8:02
